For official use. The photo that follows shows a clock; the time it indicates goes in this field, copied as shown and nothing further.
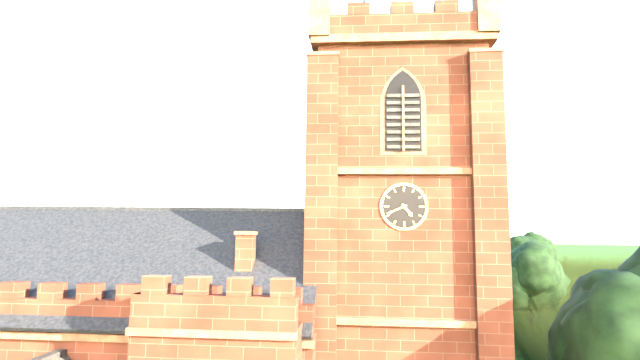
4:41
